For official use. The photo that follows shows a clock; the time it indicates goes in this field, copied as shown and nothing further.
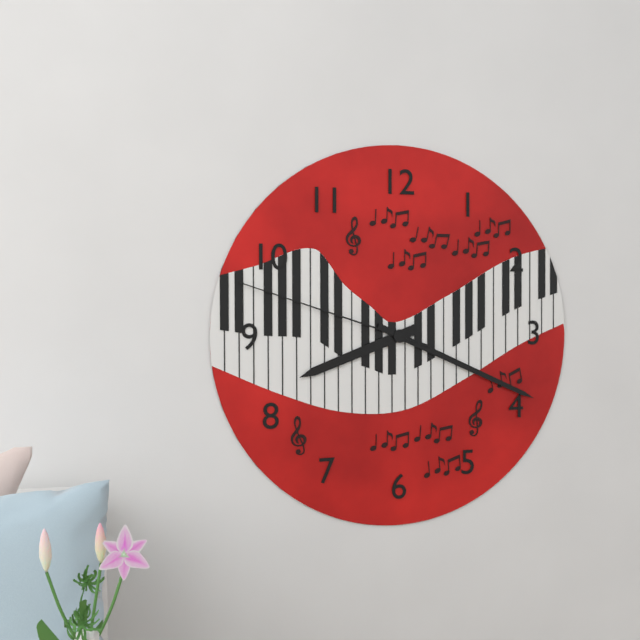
8:19:48
